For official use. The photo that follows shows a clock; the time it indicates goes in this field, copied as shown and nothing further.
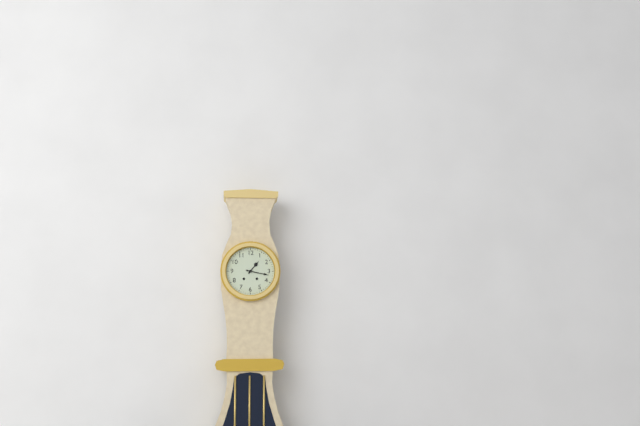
1:17
